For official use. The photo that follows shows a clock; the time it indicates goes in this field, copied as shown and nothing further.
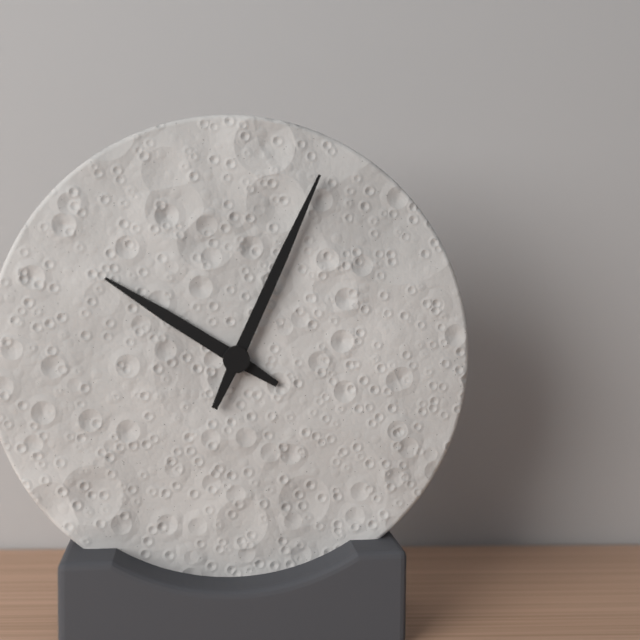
10:04
